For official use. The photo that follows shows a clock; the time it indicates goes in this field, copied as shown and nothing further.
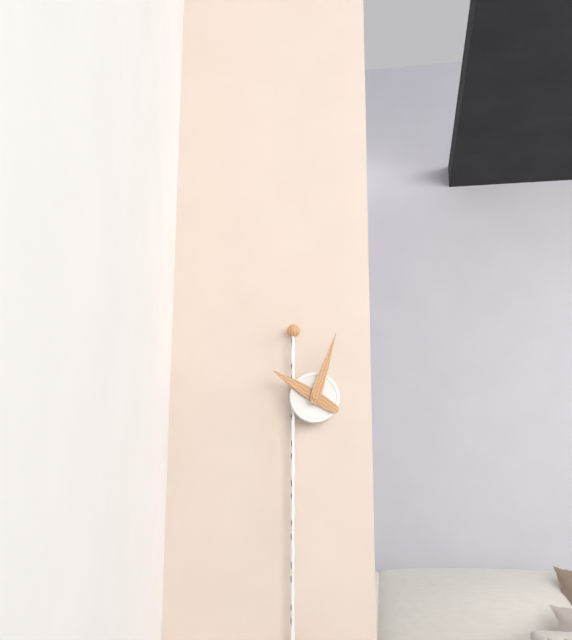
10:03
